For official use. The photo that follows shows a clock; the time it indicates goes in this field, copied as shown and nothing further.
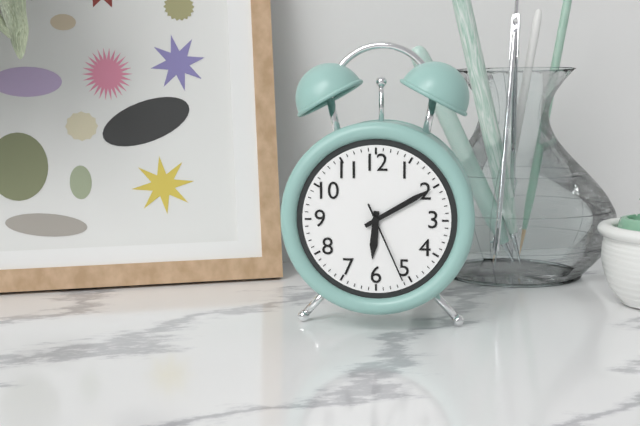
6:10:26
